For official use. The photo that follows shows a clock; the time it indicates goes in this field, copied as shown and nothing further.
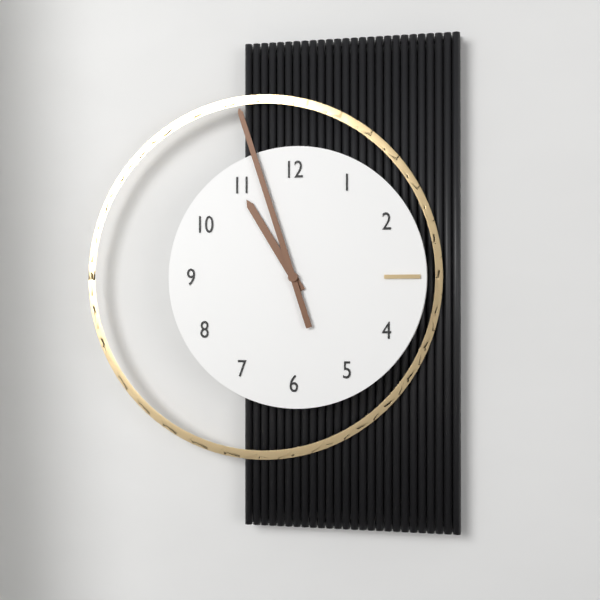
10:57
